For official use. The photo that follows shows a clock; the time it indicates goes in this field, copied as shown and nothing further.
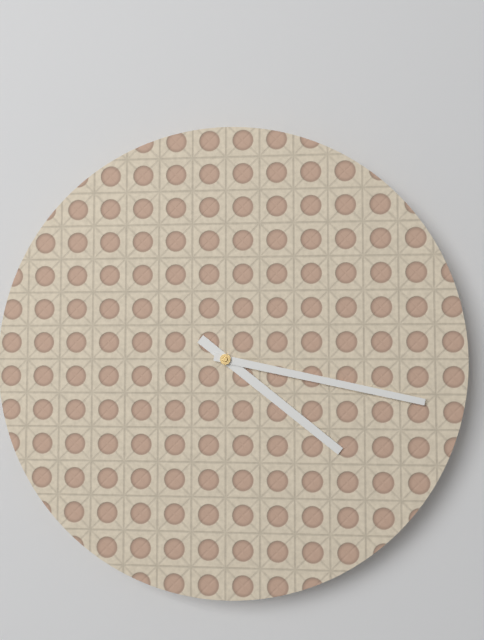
4:17
